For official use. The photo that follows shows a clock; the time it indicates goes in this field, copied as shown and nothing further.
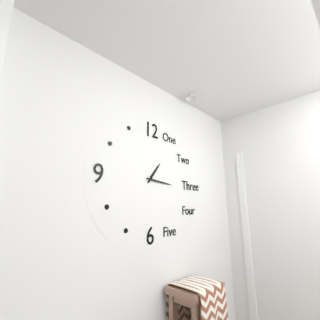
1:16
